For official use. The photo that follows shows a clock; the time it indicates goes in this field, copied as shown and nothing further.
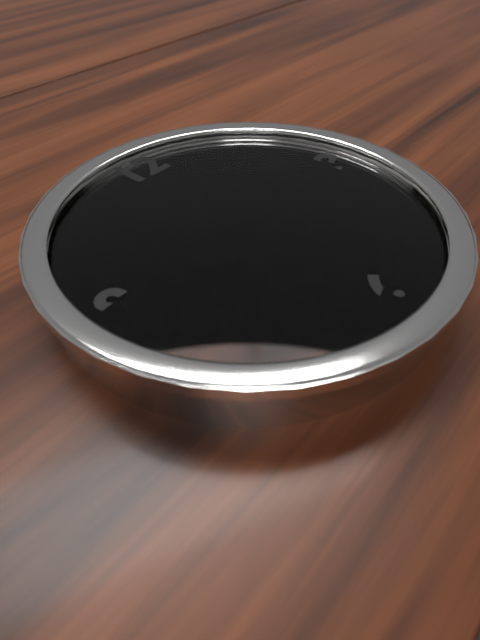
7:31
